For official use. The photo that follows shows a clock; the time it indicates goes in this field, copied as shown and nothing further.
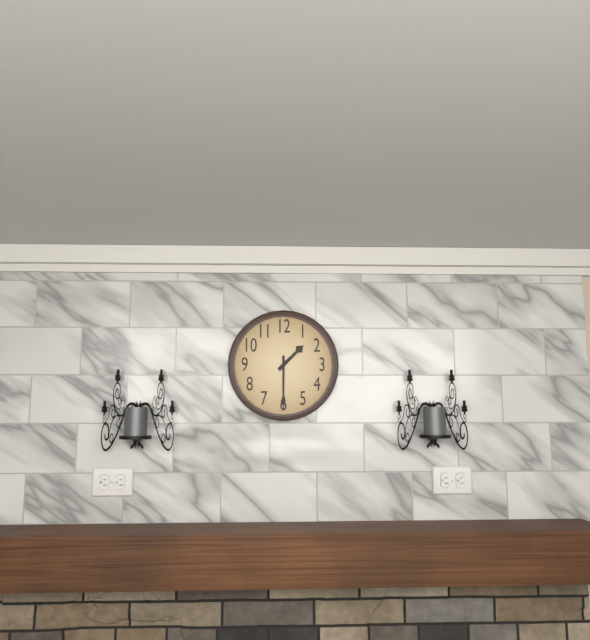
1:30
